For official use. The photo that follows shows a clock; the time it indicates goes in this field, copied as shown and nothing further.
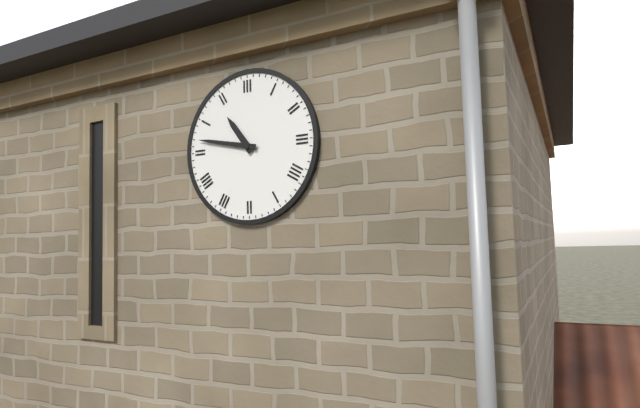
10:47
